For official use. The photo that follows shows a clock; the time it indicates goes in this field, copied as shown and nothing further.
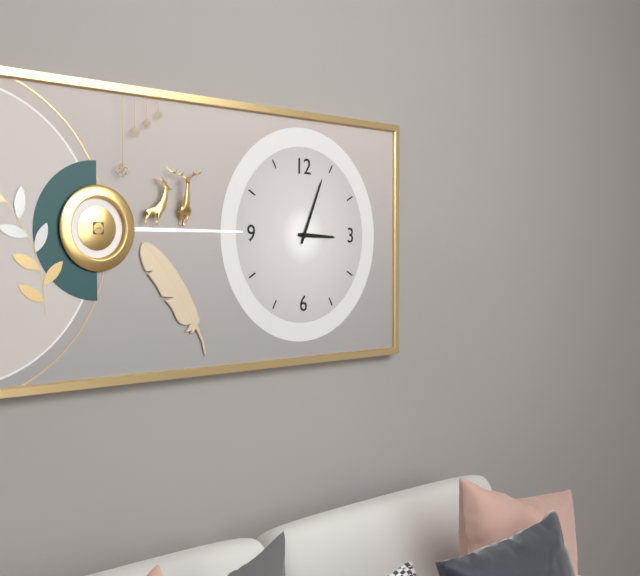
3:04
